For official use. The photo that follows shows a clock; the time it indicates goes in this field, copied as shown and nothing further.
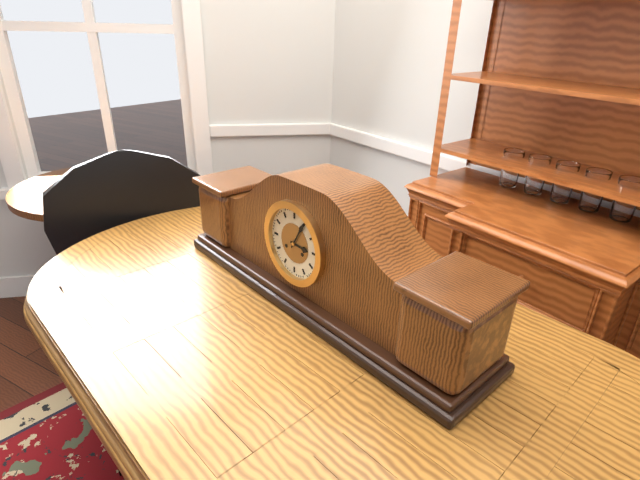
3:05
